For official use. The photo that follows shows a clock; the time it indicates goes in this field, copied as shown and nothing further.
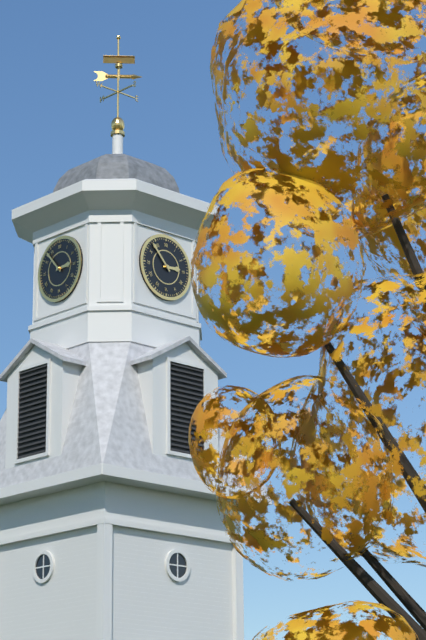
2:53
